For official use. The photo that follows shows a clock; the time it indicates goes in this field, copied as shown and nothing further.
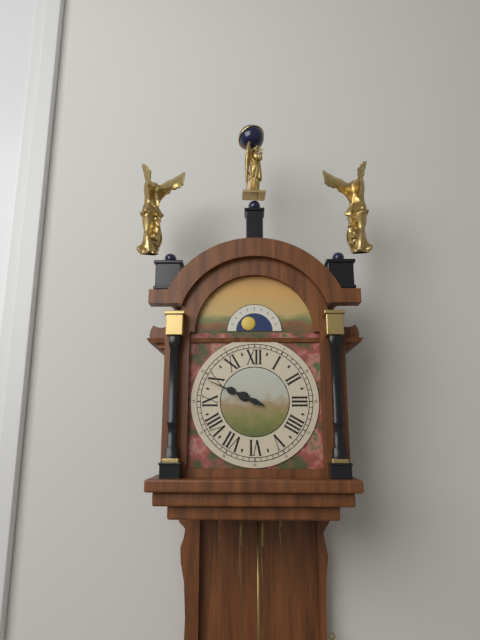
9:49
